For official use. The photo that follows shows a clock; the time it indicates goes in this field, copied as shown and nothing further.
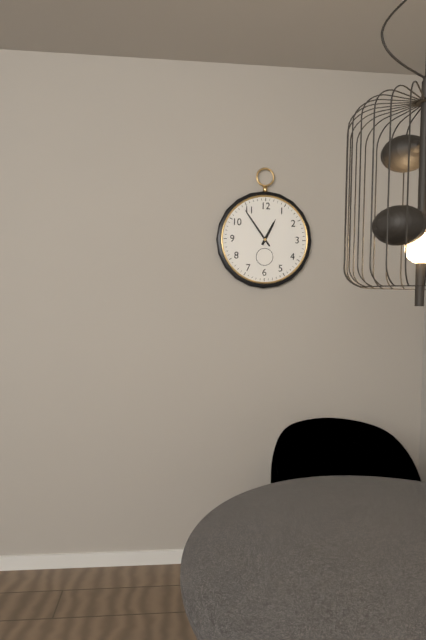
12:54
